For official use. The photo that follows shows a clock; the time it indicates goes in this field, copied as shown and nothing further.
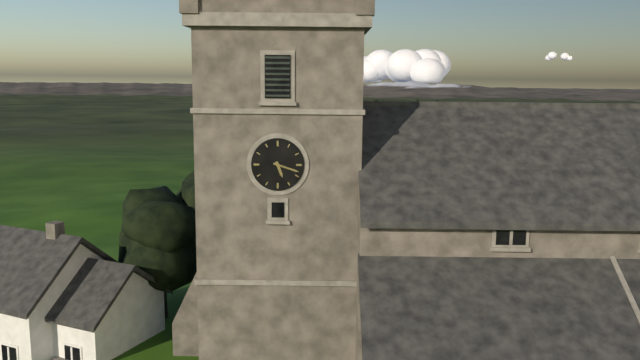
5:18
